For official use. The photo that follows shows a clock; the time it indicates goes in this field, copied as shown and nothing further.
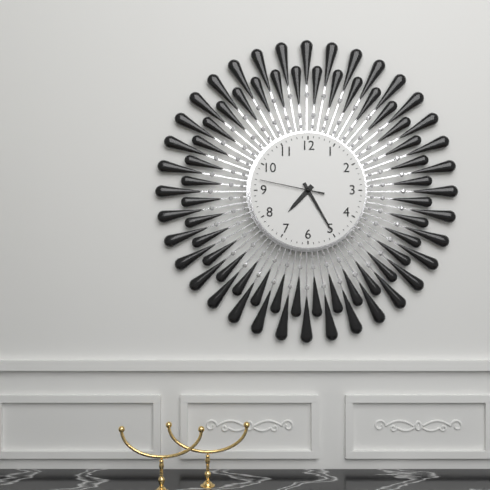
7:25:47
